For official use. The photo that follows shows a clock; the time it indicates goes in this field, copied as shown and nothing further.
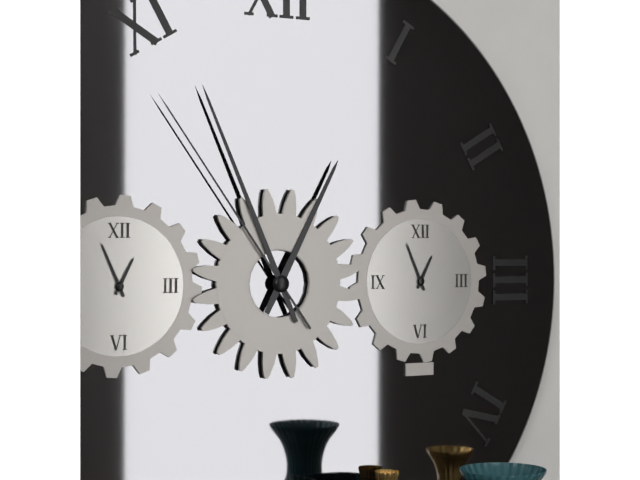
12:56:54
